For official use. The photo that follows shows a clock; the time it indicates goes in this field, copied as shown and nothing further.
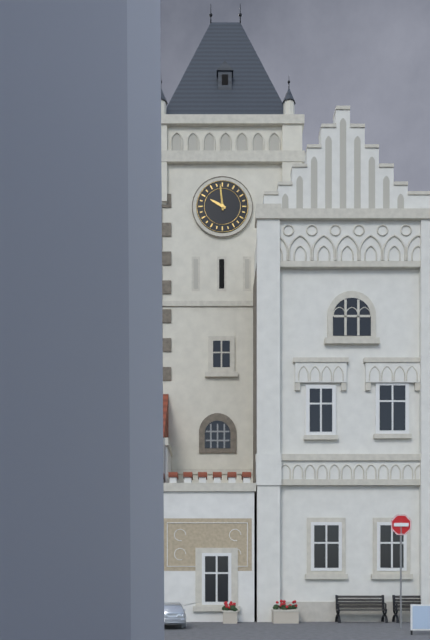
9:59
